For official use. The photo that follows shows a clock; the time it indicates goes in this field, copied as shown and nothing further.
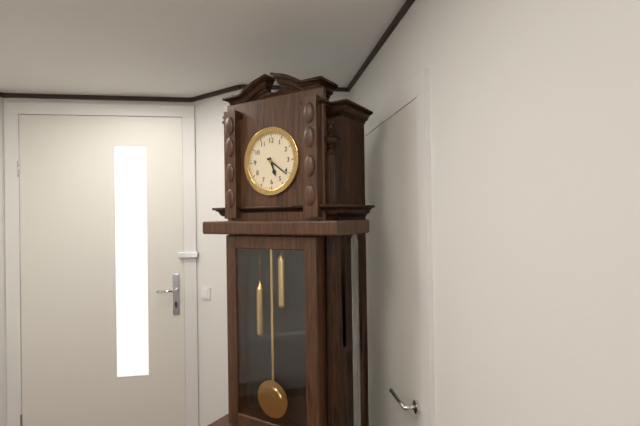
5:21
